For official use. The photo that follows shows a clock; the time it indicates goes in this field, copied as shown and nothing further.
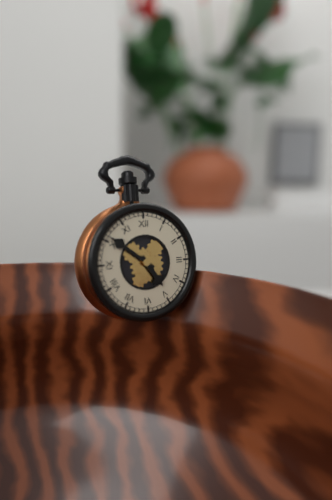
4:51
